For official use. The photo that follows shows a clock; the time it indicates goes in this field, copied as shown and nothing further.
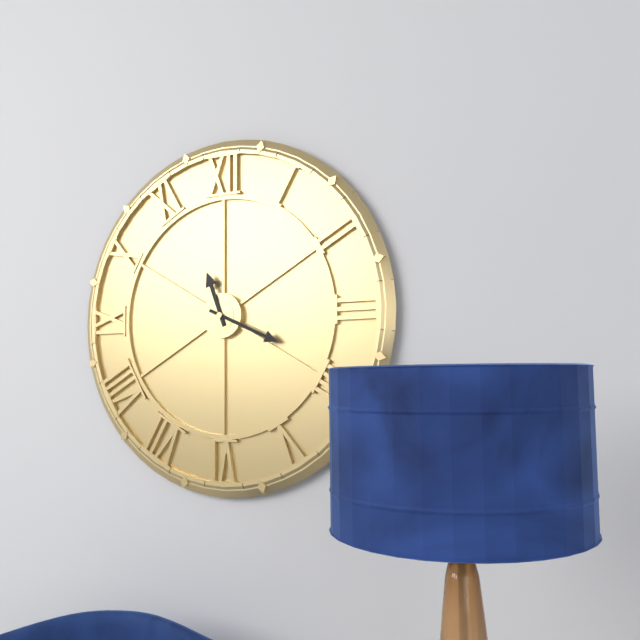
11:19
